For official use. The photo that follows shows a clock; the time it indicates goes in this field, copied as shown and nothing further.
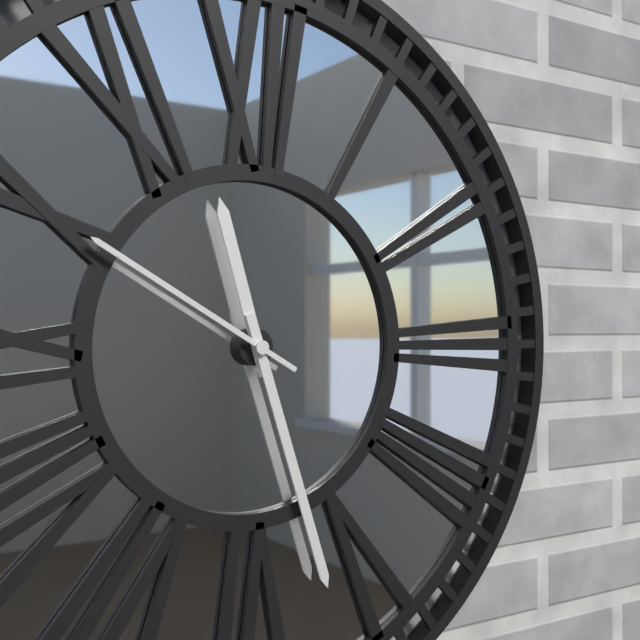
11:27:50
